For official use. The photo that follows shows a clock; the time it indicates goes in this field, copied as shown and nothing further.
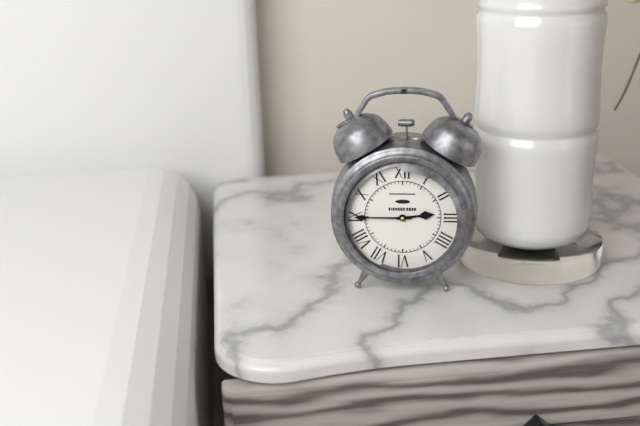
2:45
